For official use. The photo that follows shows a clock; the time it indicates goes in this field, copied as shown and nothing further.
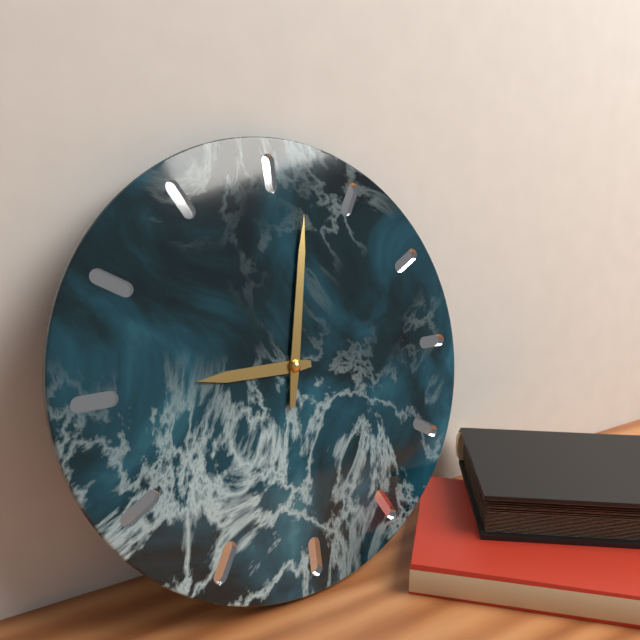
9:02
